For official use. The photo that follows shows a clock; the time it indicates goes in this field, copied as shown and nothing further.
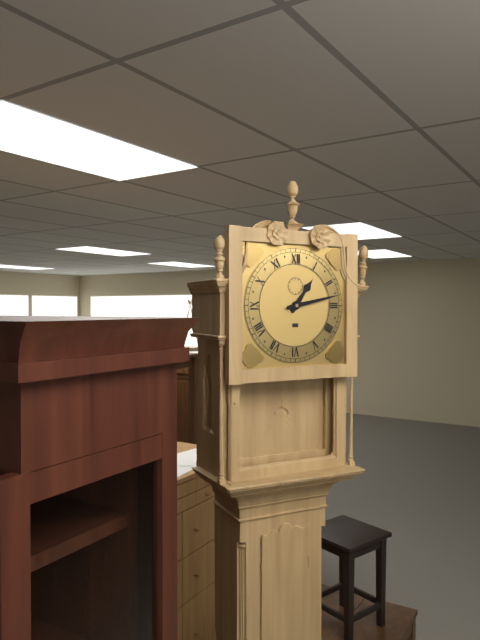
1:13
